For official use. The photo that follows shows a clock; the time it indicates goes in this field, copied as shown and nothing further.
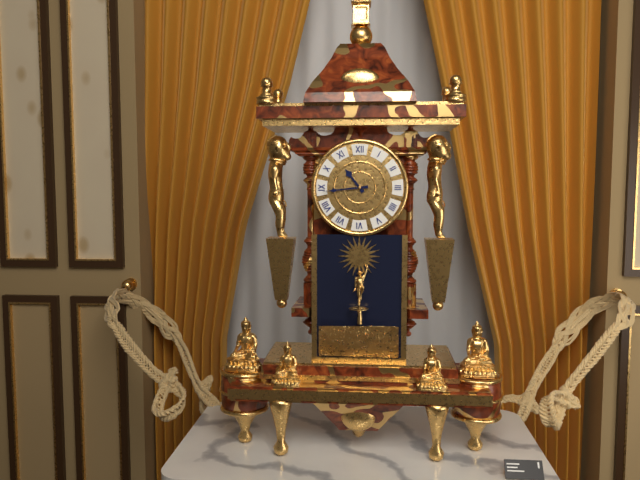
10:44
